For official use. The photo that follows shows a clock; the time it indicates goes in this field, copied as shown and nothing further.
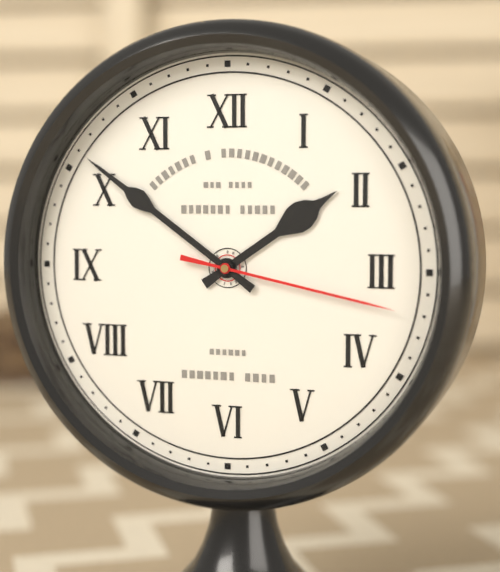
1:51:17
